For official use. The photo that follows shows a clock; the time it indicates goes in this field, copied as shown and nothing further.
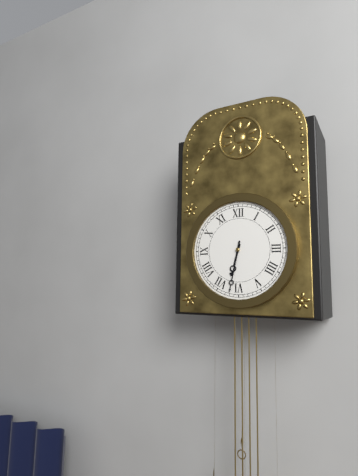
6:32
